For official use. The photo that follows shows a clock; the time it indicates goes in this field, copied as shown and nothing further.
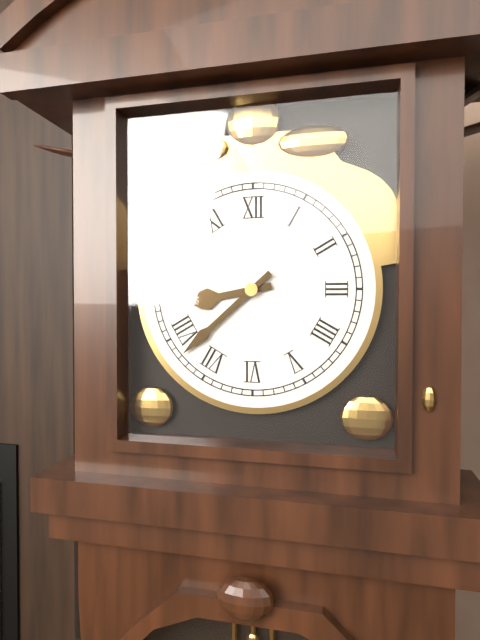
8:38
